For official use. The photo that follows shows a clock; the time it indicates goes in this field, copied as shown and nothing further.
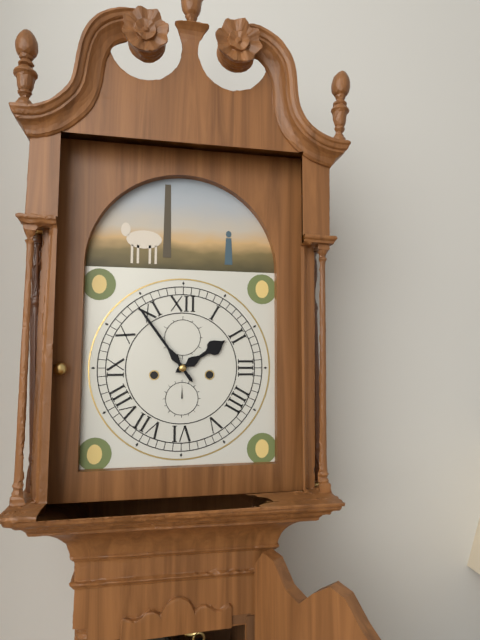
1:54
